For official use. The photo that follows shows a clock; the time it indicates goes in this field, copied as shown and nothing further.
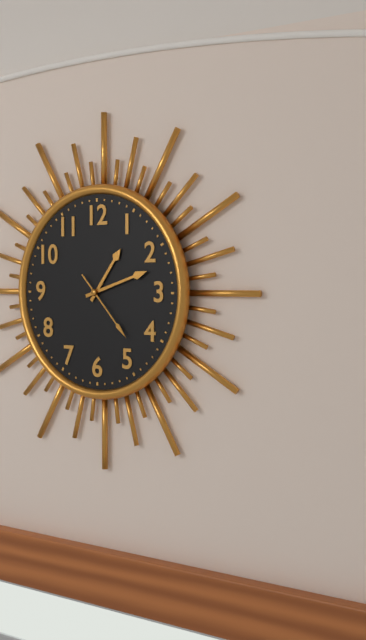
1:12:23
